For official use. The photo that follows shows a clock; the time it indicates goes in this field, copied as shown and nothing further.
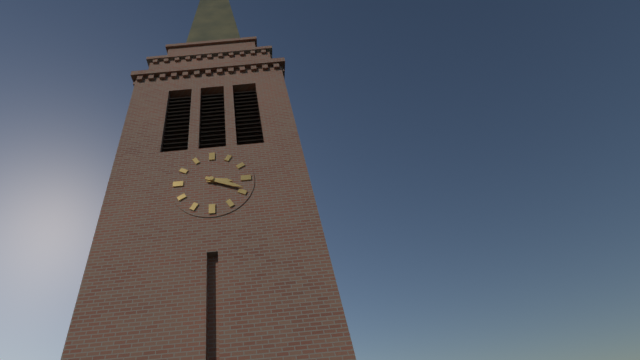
3:19
